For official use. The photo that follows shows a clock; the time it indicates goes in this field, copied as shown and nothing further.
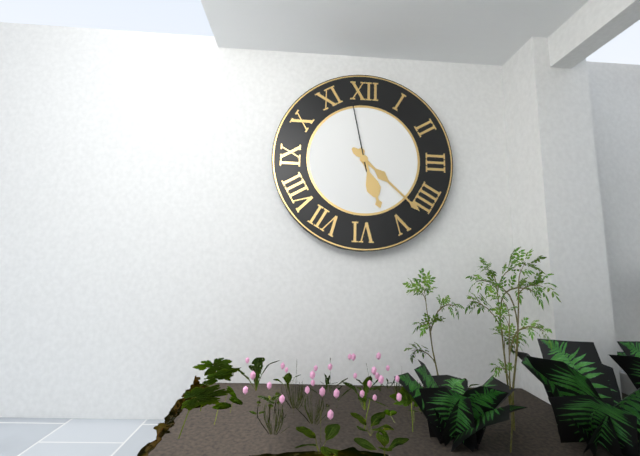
5:22:58
